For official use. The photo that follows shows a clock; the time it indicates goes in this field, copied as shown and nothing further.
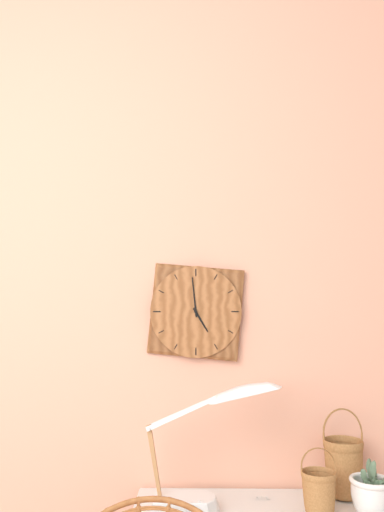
4:59
